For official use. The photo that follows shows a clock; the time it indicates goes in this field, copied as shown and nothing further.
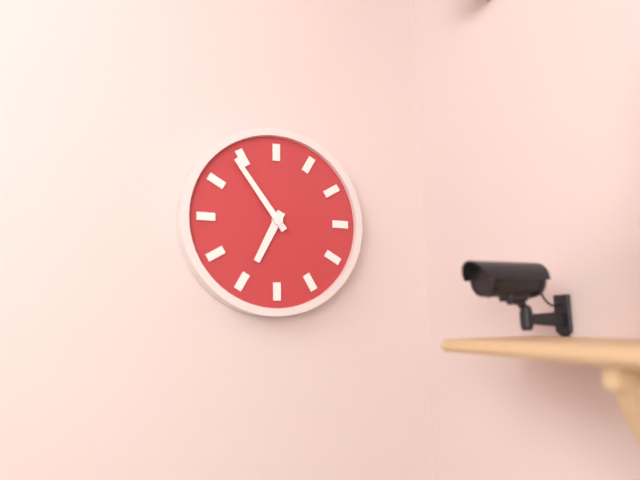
6:54
